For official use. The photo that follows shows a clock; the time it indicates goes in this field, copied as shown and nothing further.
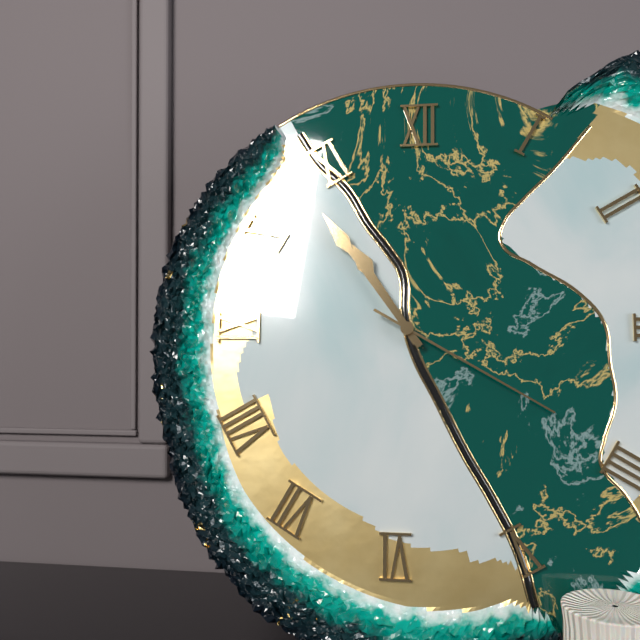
10:54:20
